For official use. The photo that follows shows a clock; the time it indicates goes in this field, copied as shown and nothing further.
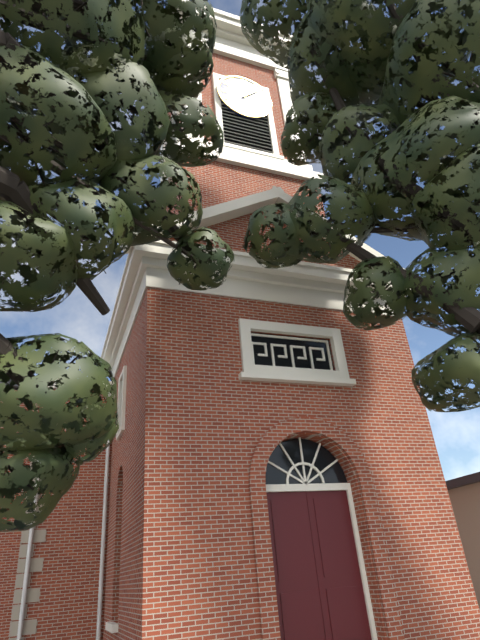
1:08
